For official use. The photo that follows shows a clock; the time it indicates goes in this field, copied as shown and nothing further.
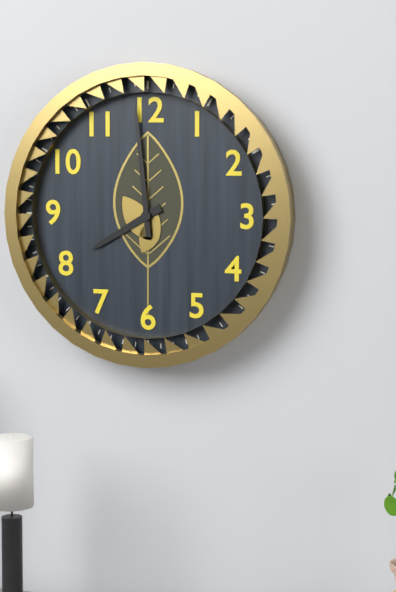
7:59
